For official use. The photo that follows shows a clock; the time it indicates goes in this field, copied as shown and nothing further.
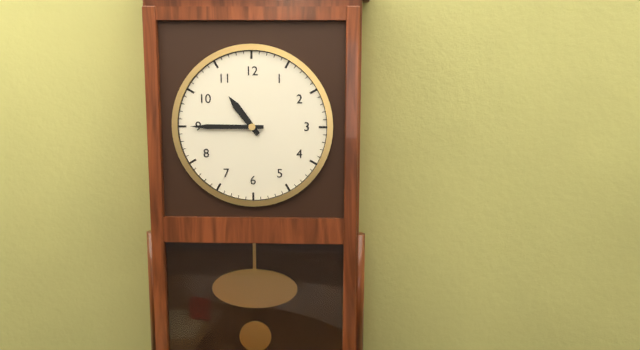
10:45
